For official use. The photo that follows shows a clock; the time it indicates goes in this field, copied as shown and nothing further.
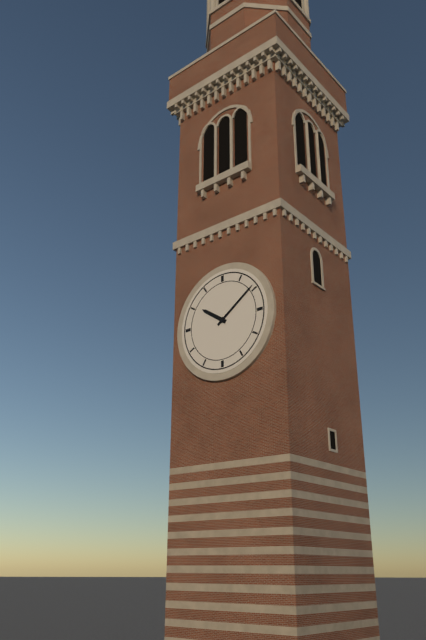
10:09
